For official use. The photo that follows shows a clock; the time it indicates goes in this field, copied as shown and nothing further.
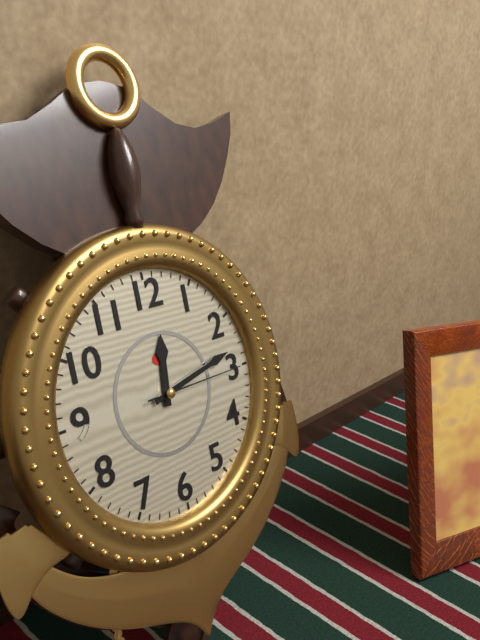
12:13:15
